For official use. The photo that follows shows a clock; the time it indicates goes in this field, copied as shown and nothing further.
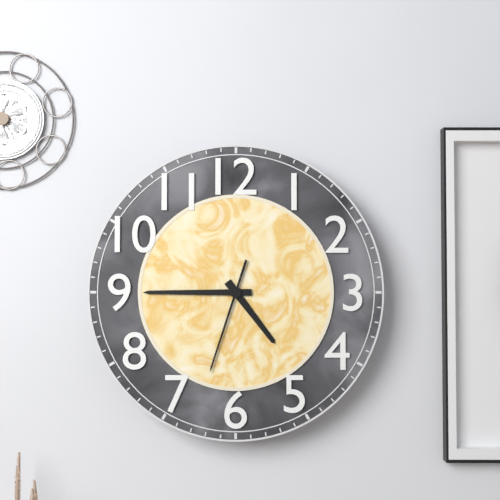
4:45:33
